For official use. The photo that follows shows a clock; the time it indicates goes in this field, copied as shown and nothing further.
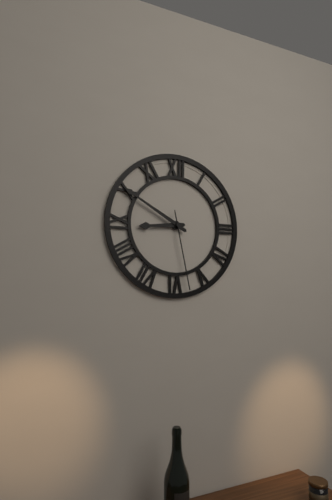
8:50:28
